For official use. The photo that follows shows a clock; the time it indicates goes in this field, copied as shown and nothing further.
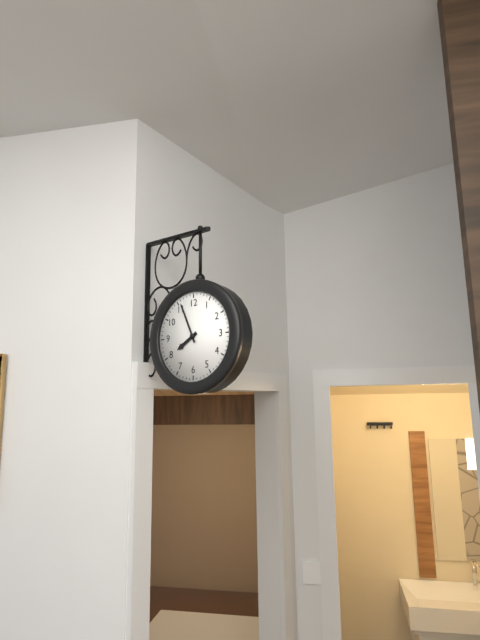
7:56
